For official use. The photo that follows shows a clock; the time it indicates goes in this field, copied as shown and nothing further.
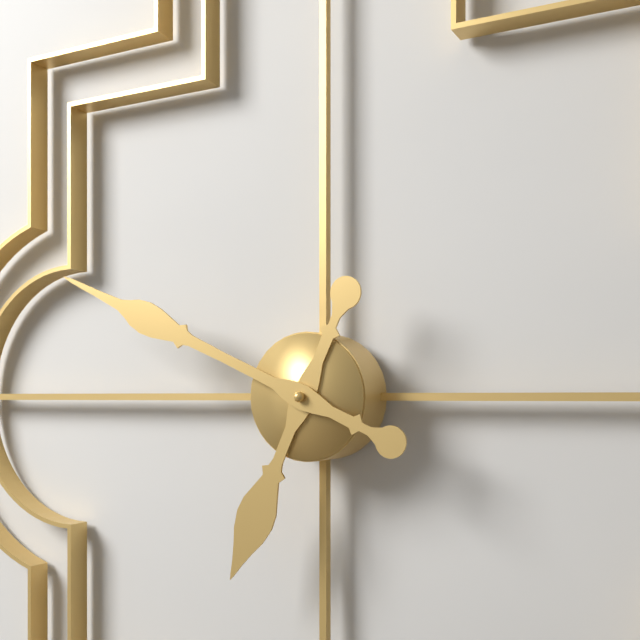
6:49
